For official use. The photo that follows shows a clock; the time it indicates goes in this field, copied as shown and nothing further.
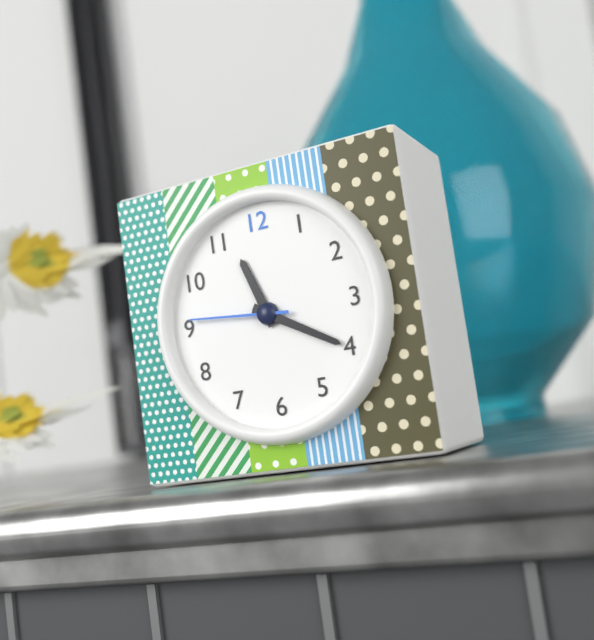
11:20:46
